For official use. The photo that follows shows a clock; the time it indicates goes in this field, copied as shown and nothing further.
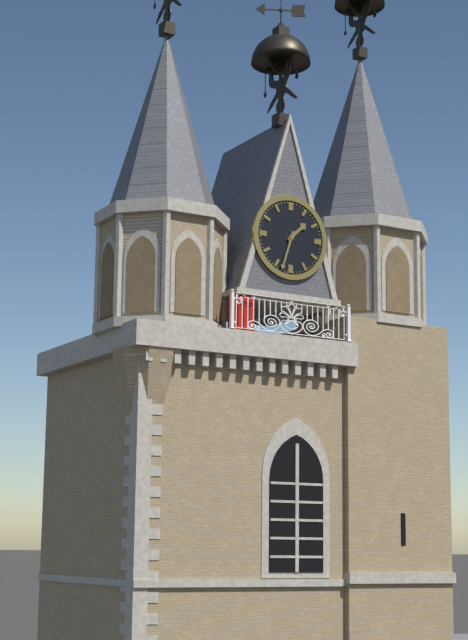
1:33
